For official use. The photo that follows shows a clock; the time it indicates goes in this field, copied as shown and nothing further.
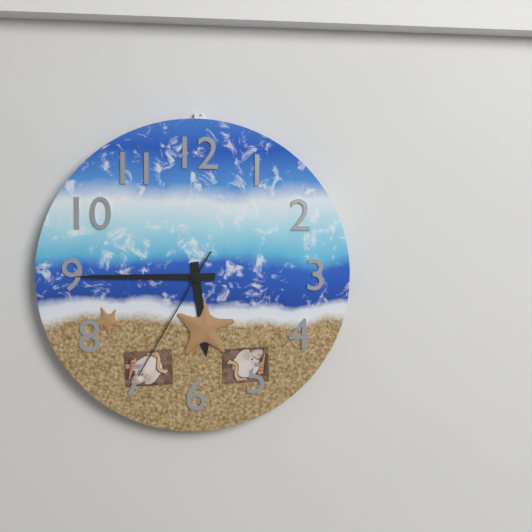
5:45:35
